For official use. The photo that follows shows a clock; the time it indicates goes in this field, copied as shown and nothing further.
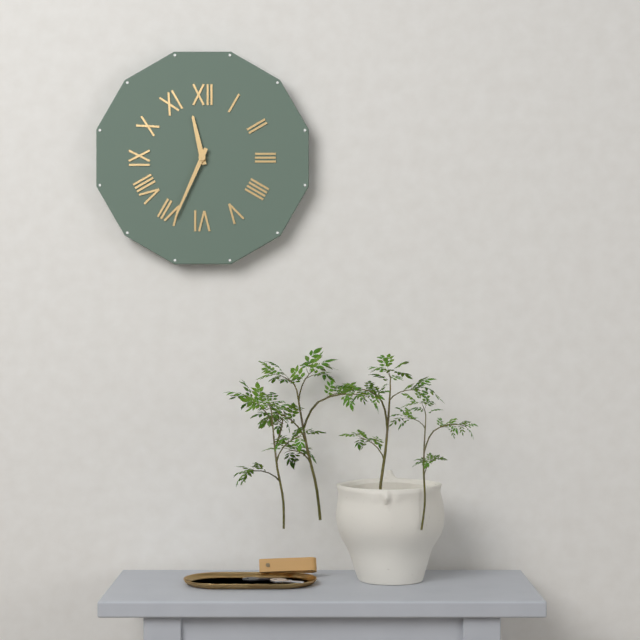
11:34
